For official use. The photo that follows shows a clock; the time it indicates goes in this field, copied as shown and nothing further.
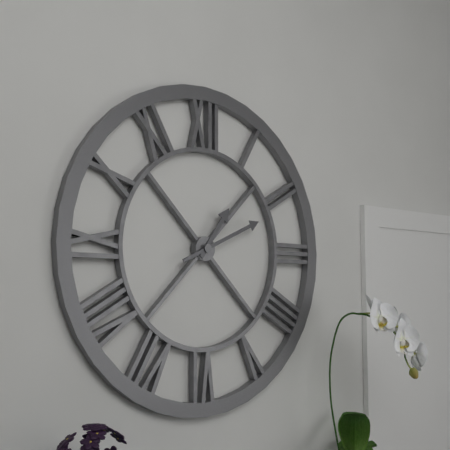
1:11
